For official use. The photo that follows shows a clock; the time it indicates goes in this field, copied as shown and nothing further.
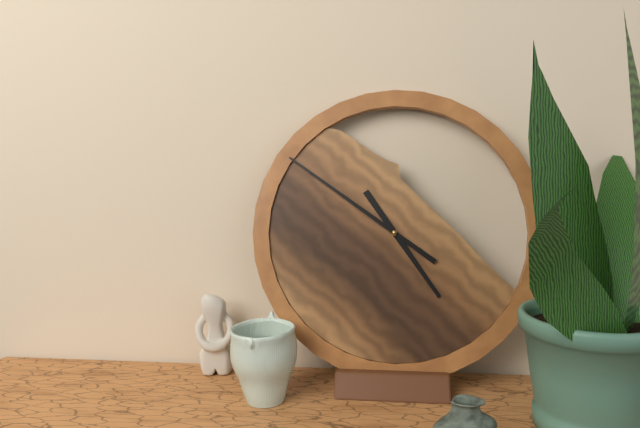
4:51
